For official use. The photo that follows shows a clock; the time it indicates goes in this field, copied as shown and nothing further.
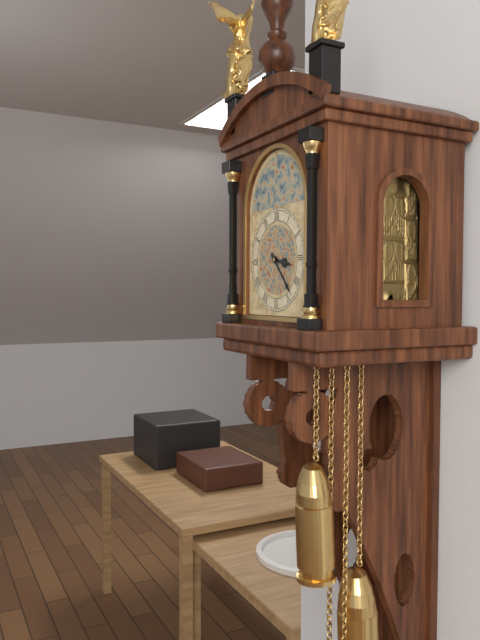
3:23
